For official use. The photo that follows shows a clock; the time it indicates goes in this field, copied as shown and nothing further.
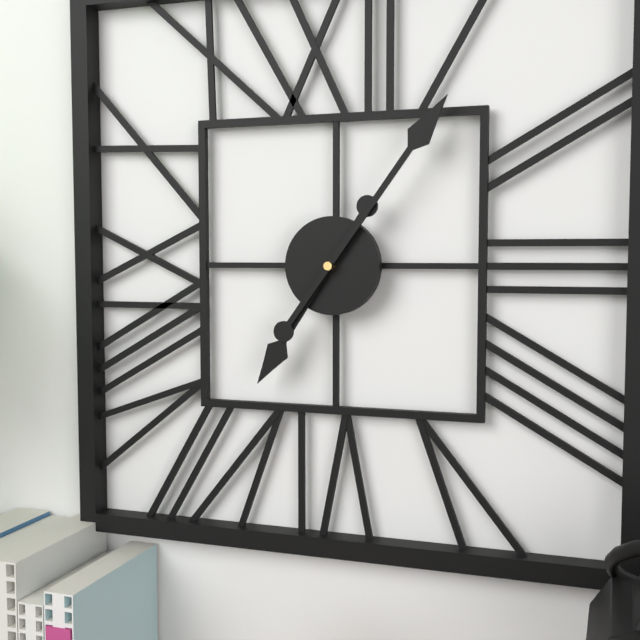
7:06
